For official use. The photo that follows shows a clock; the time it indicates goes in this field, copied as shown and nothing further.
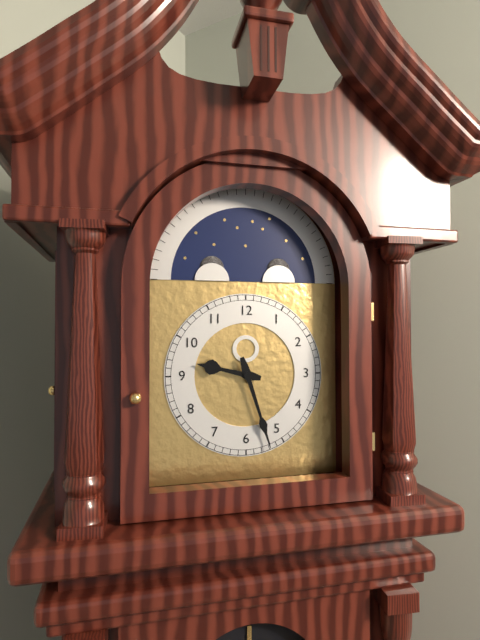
9:27
